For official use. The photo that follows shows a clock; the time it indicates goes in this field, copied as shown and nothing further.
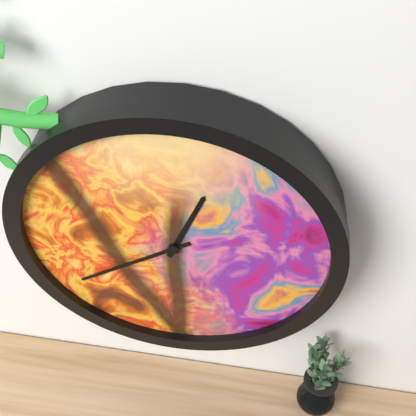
12:39
